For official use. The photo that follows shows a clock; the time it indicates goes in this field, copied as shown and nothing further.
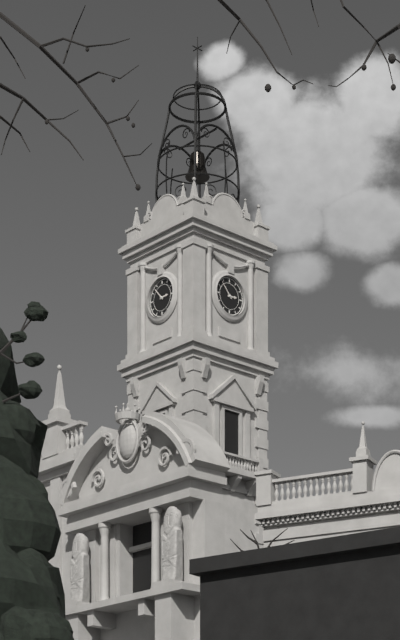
2:53
